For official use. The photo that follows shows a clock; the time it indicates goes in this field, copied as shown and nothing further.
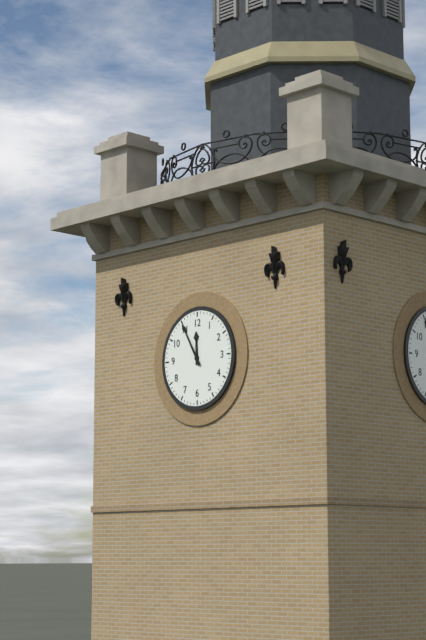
11:55
